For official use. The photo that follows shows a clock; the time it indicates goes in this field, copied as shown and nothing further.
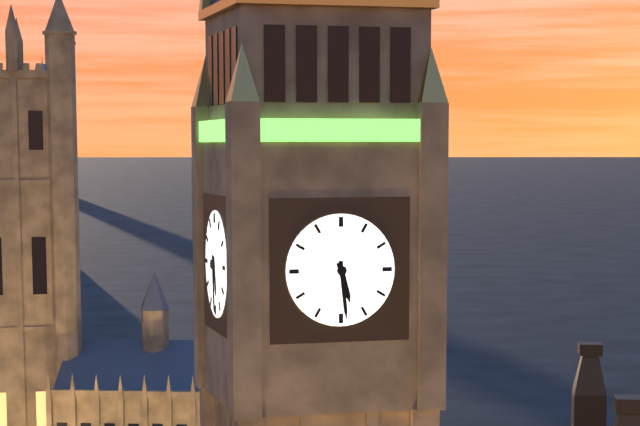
5:29
